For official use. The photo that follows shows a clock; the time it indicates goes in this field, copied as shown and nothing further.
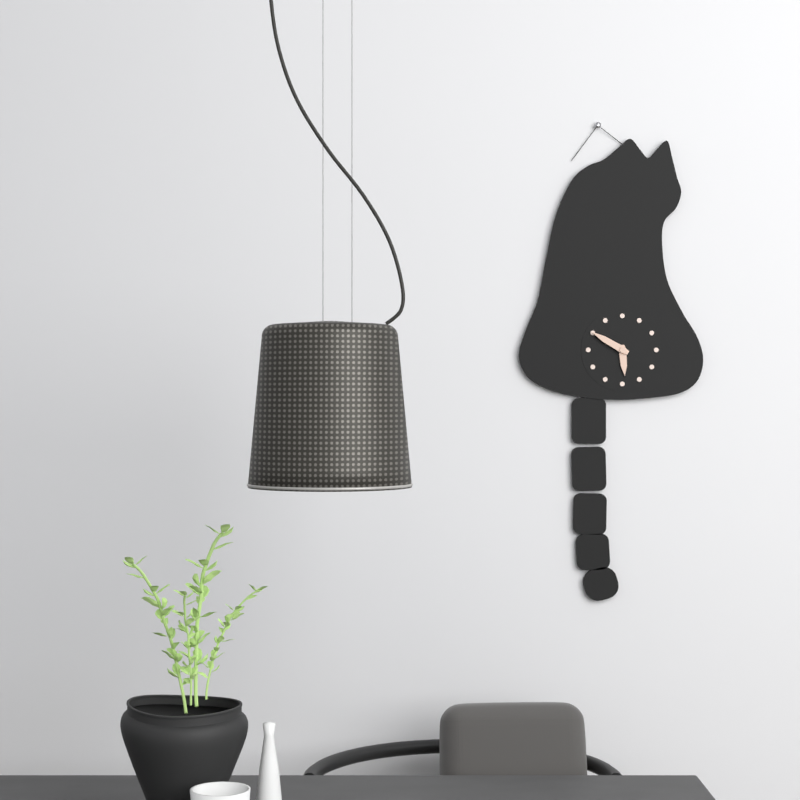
5:50
